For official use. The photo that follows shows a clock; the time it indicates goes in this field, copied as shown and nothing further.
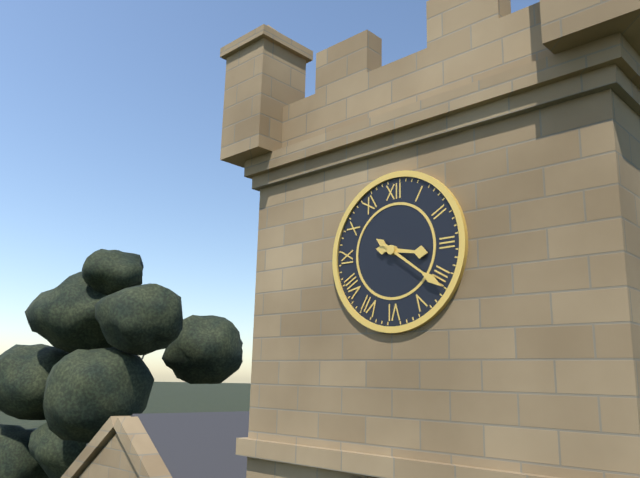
3:21
